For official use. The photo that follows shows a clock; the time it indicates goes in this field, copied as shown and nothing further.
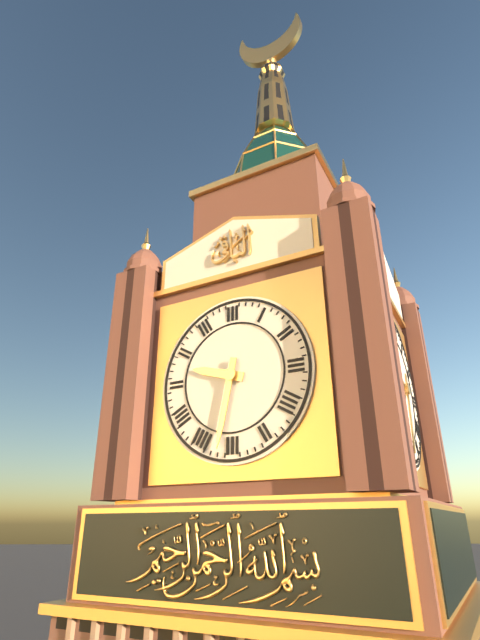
9:32
